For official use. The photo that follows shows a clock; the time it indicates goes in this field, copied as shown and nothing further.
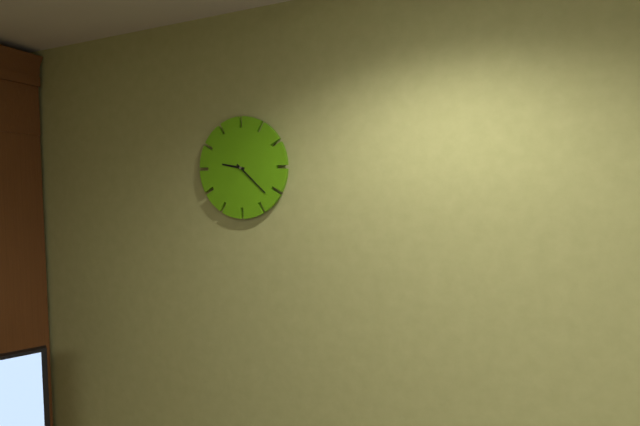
9:22
